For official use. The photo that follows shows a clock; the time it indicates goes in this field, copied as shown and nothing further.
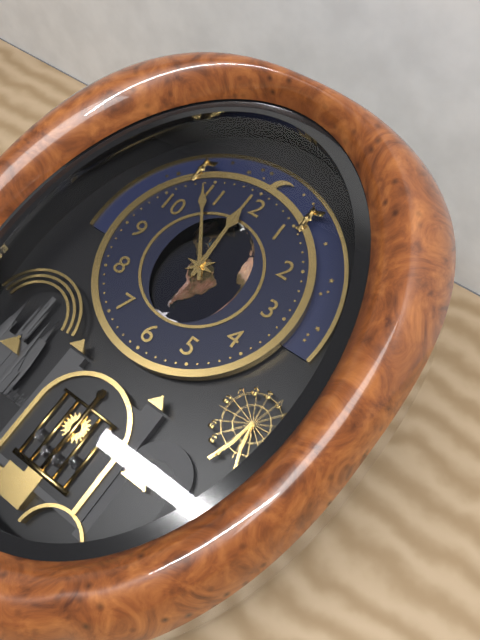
11:54
